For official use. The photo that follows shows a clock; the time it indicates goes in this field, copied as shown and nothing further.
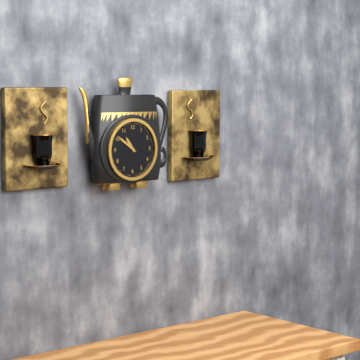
10:51
